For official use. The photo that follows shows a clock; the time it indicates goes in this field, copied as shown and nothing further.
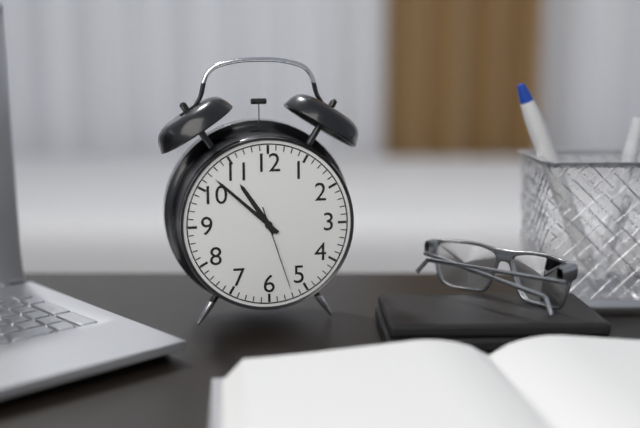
10:52:27
